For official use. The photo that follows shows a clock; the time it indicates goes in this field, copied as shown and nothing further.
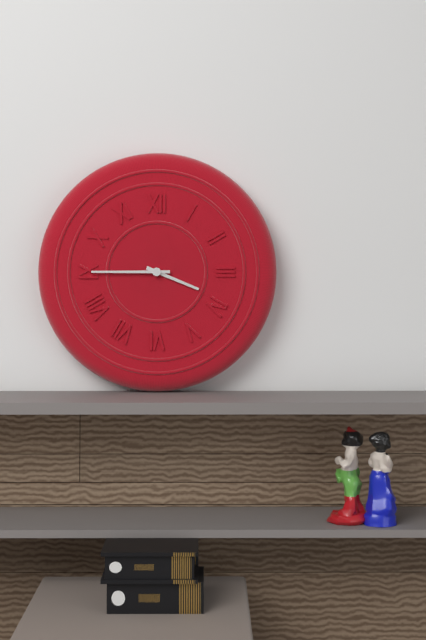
3:45
